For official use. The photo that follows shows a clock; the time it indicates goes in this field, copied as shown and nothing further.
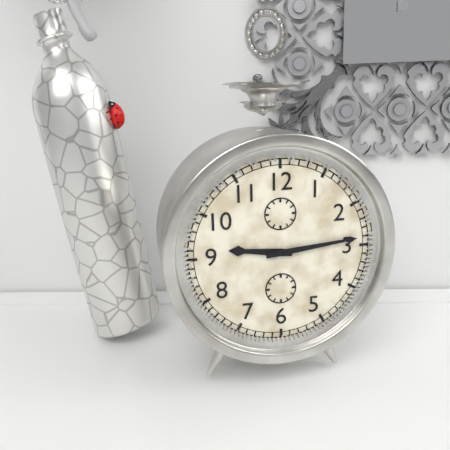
9:14
